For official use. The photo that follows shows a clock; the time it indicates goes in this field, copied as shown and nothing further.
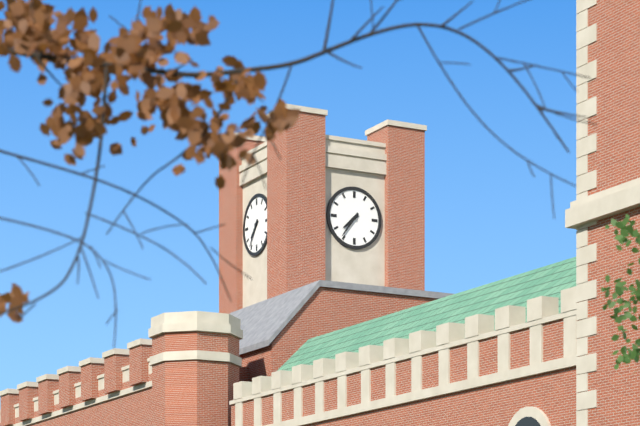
7:36
